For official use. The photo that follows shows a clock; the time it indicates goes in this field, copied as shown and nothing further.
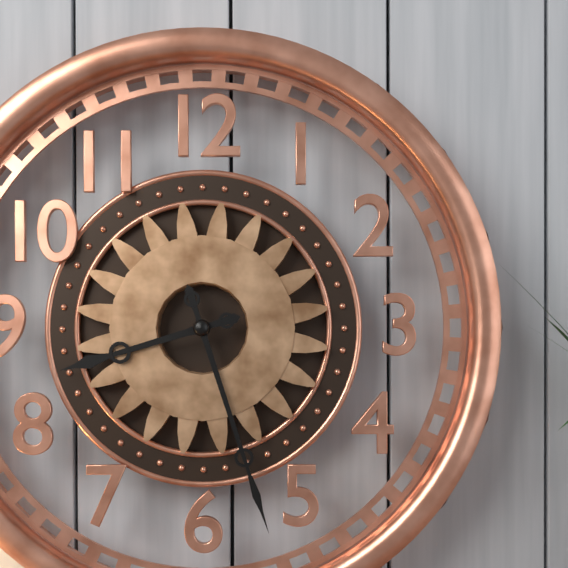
8:27
